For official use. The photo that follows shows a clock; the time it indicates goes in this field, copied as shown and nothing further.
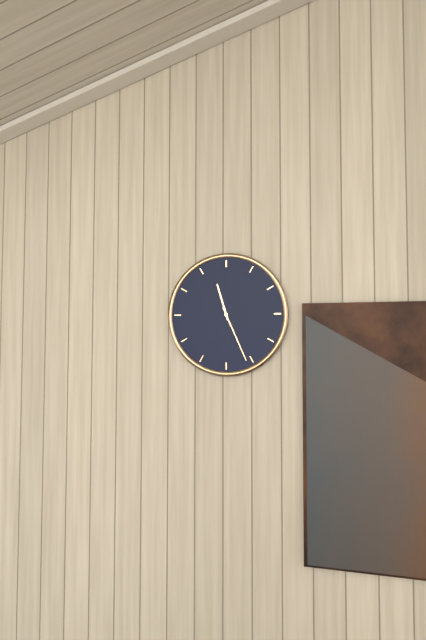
11:26
